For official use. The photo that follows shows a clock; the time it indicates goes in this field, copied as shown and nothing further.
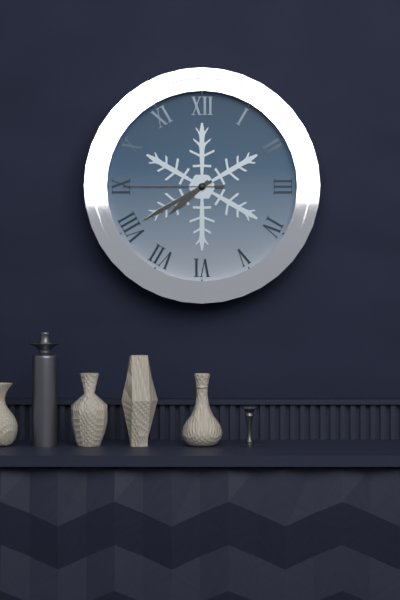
7:40:45
